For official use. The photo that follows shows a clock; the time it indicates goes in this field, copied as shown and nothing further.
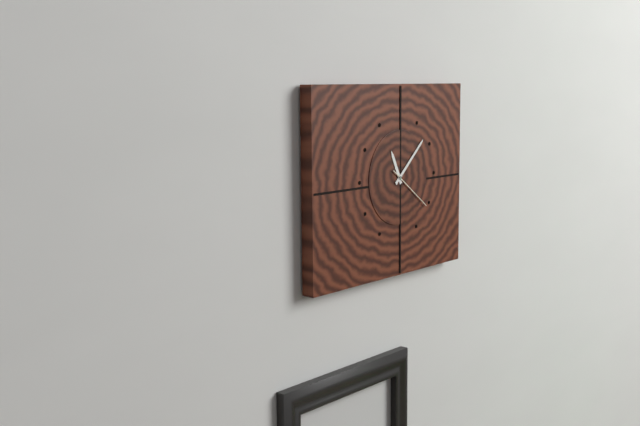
11:08
